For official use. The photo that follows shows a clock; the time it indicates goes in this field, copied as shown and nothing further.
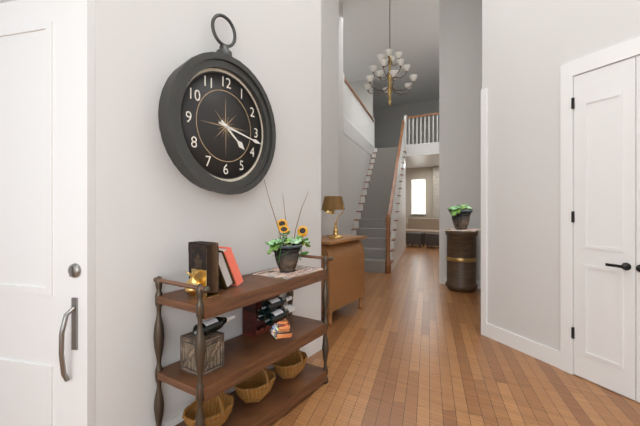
4:17
